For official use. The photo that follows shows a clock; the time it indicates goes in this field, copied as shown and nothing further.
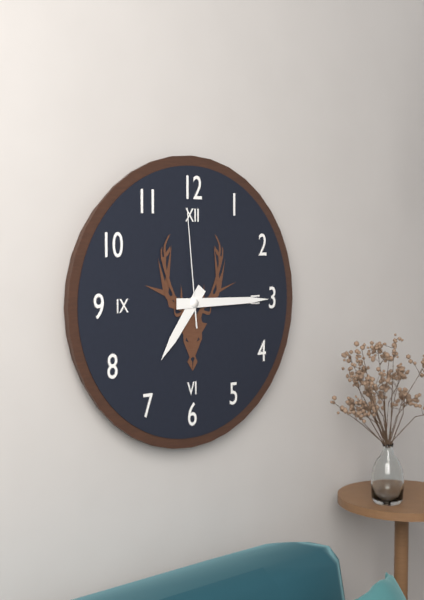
7:15:59
